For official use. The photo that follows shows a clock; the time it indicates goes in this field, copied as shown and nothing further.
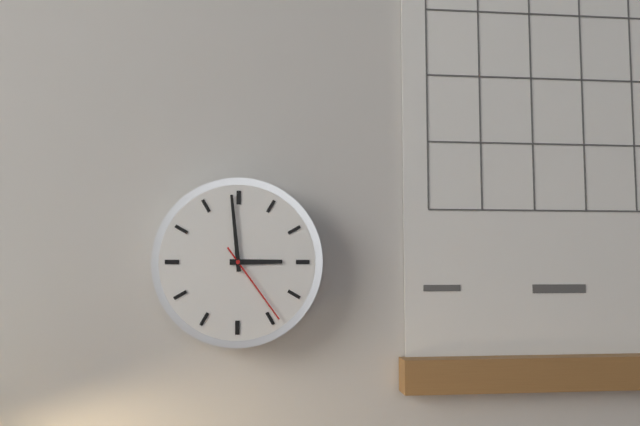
2:59:24
